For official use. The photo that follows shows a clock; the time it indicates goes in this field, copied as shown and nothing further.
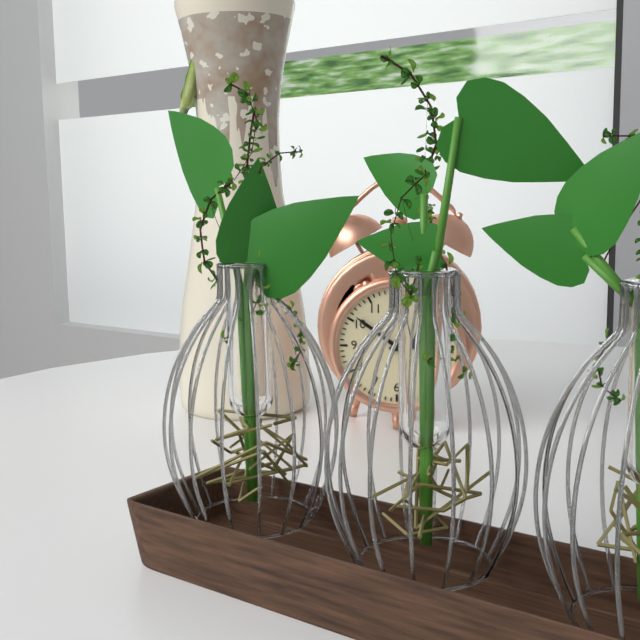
1:51:20
